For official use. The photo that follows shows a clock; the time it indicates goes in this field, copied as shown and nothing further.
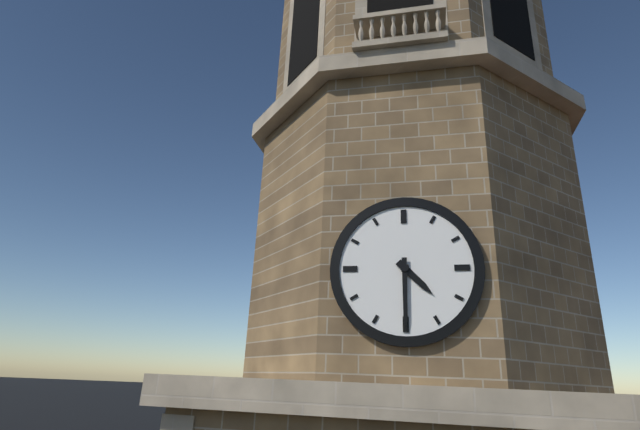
4:30
